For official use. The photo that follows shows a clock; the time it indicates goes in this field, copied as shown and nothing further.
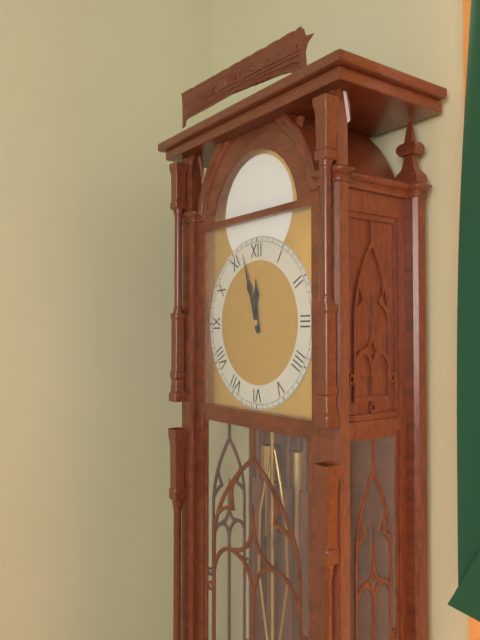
11:57
